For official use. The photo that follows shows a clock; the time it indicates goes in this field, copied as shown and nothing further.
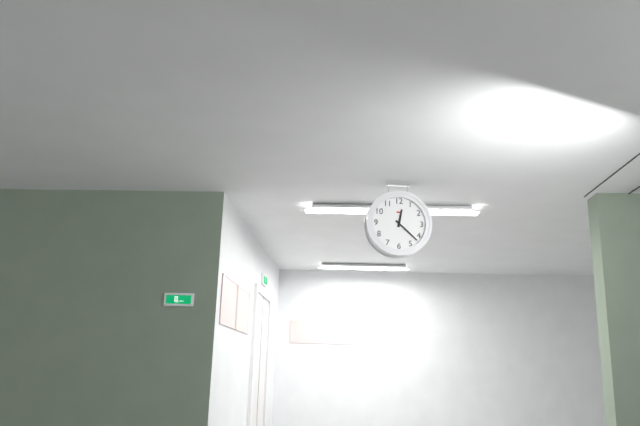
12:22
